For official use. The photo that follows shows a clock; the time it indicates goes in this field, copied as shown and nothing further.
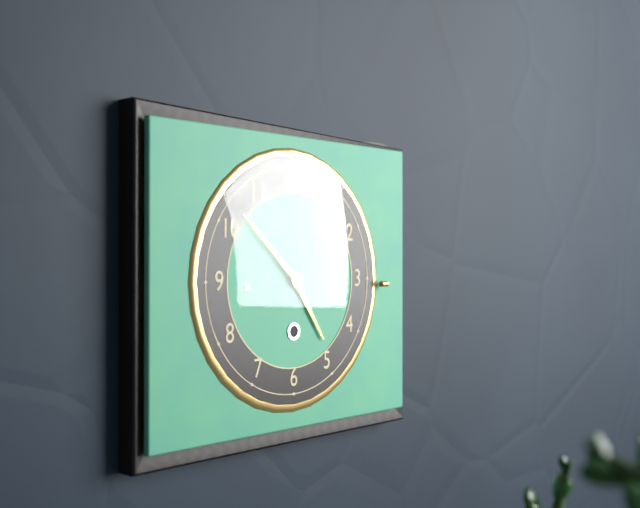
4:52
